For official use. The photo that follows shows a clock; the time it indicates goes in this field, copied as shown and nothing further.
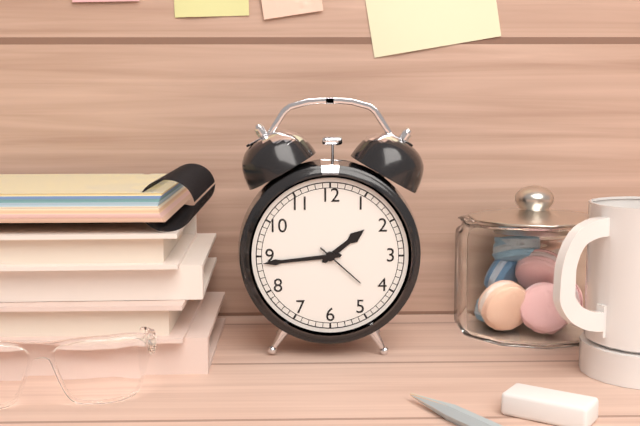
1:44:22
